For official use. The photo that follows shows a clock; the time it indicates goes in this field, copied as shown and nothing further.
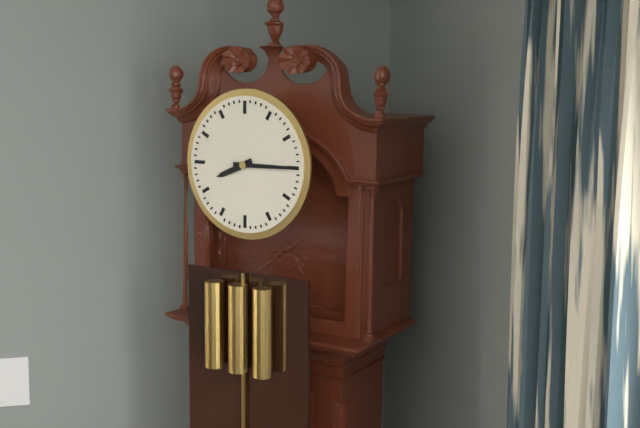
8:15
